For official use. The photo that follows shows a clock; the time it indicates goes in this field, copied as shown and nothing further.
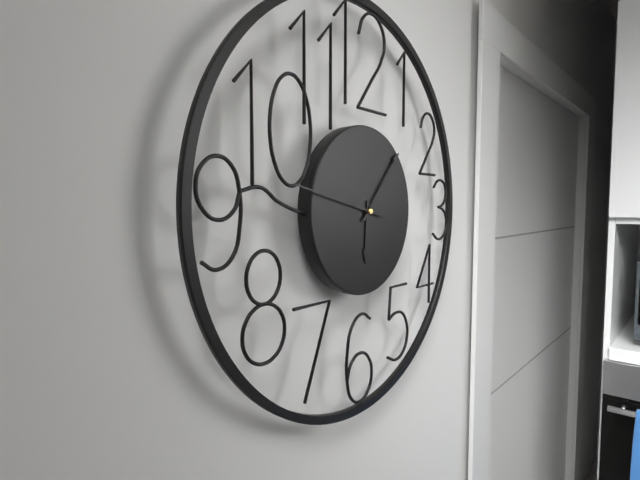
6:07:47
